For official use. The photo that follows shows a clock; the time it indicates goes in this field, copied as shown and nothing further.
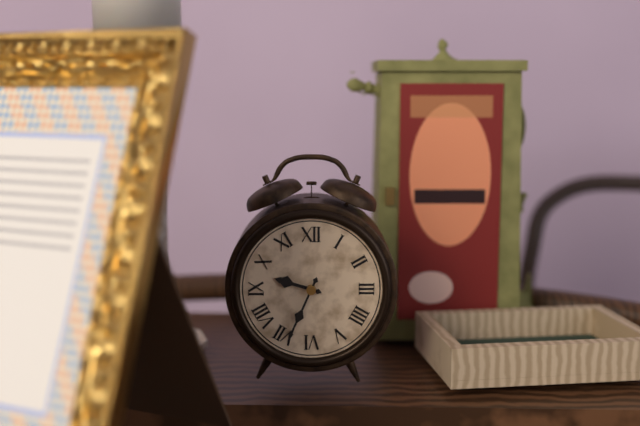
9:34
